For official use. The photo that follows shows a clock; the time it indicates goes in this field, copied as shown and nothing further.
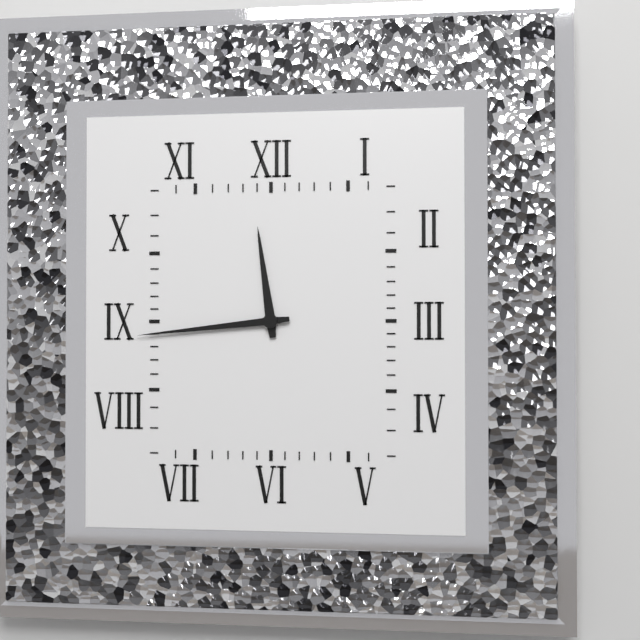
11:44
